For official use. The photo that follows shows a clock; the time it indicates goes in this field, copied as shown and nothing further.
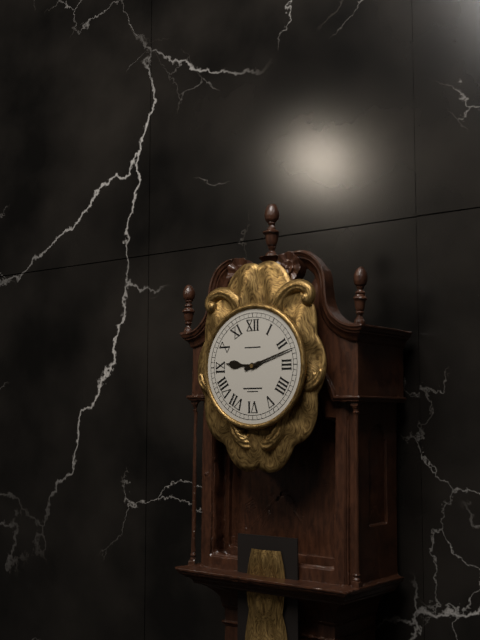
9:12
